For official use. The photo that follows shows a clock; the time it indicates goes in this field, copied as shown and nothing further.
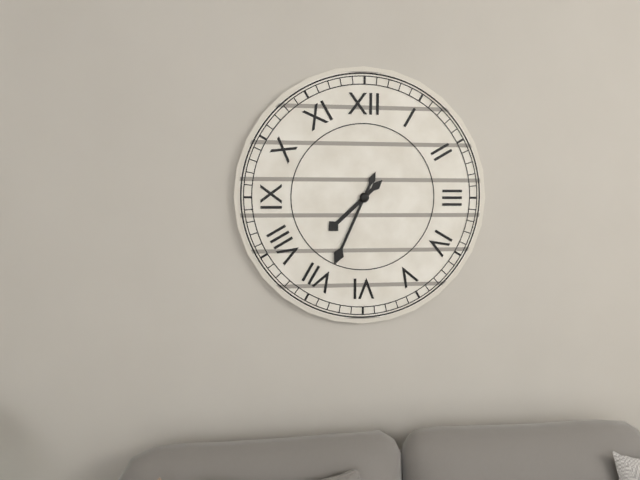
7:34
